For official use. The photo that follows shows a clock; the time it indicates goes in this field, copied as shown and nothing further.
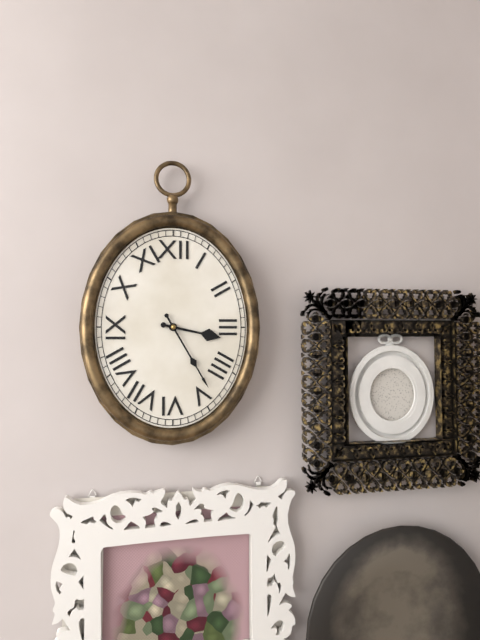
3:25
